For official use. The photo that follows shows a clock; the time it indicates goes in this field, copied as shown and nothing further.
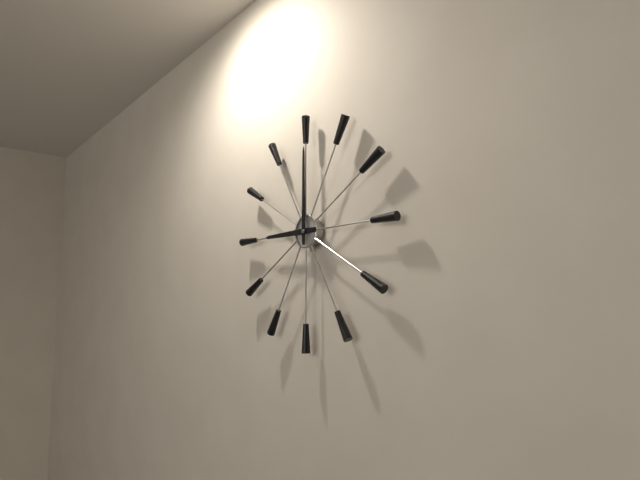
9:00
